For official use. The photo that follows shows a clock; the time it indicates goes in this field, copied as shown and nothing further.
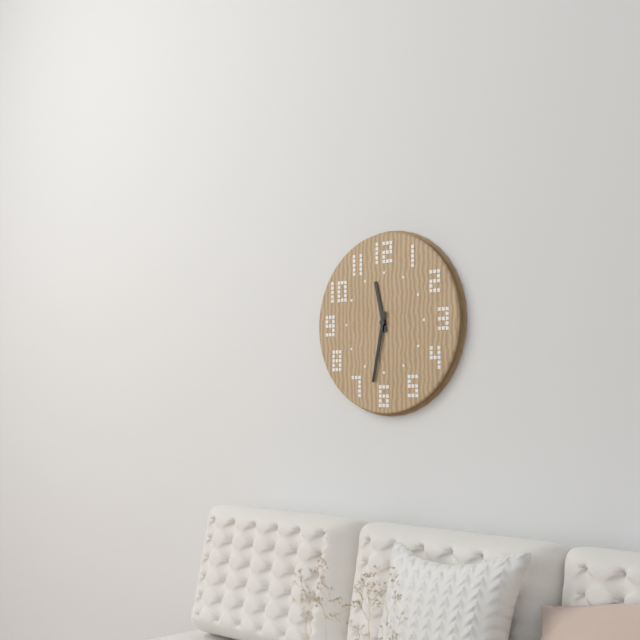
11:32
